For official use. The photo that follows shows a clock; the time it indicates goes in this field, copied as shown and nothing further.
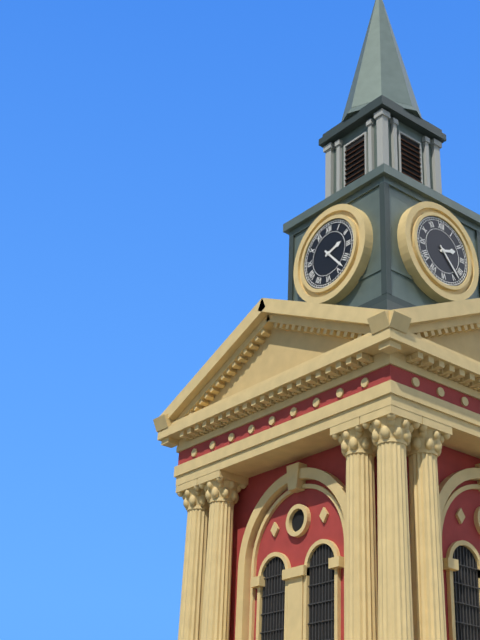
2:23
